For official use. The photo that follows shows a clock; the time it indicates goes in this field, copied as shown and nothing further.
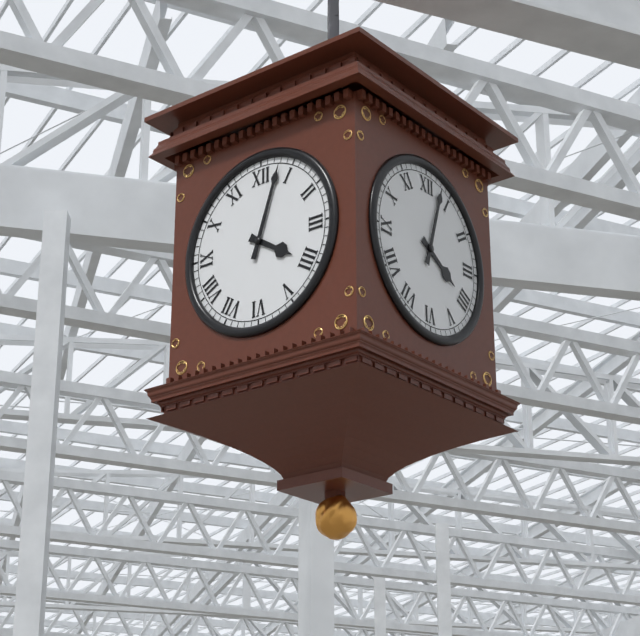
4:03
